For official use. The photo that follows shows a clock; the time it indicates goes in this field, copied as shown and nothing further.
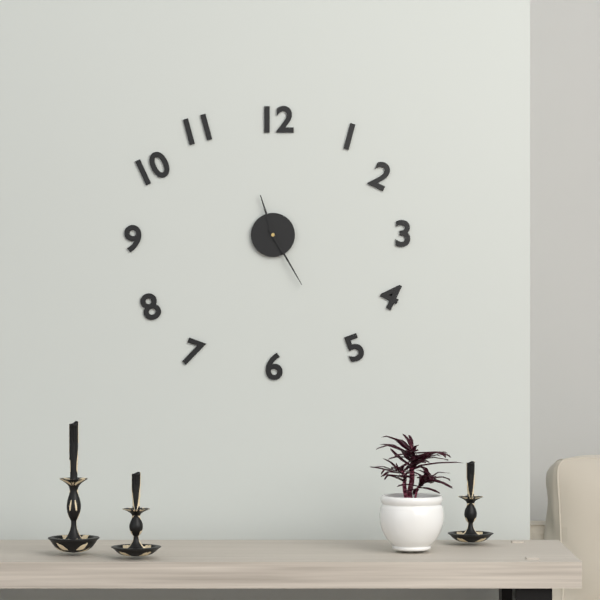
11:25
